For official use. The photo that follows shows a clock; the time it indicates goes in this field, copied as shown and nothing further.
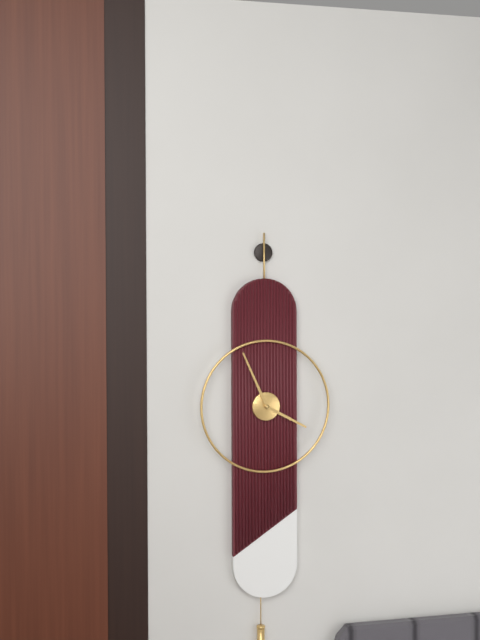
3:56
